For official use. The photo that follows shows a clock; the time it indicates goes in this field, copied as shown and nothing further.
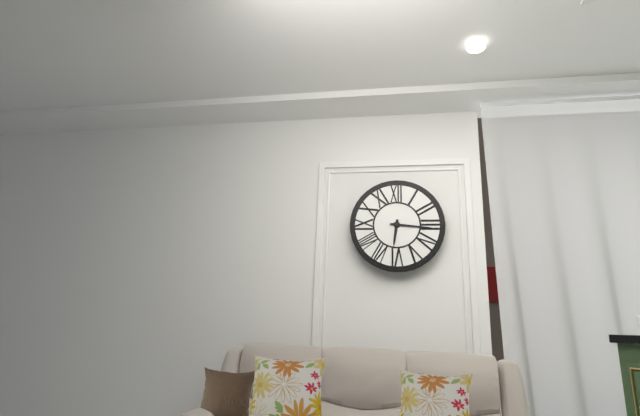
6:16
